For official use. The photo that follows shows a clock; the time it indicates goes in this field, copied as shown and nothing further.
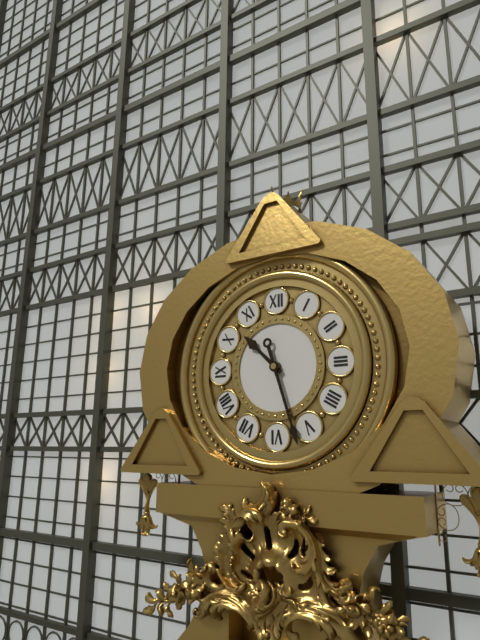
10:27
